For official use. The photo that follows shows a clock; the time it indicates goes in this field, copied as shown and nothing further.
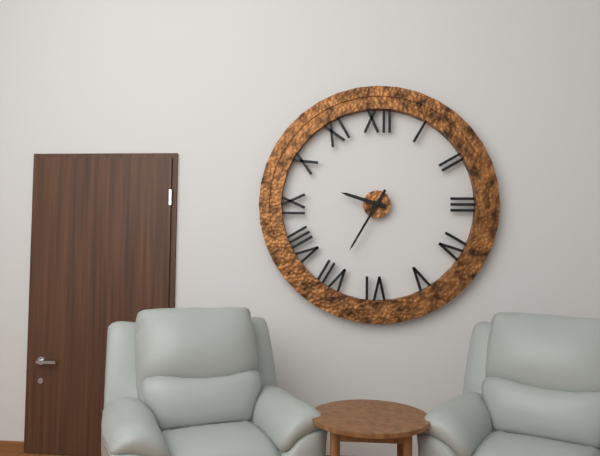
9:35
